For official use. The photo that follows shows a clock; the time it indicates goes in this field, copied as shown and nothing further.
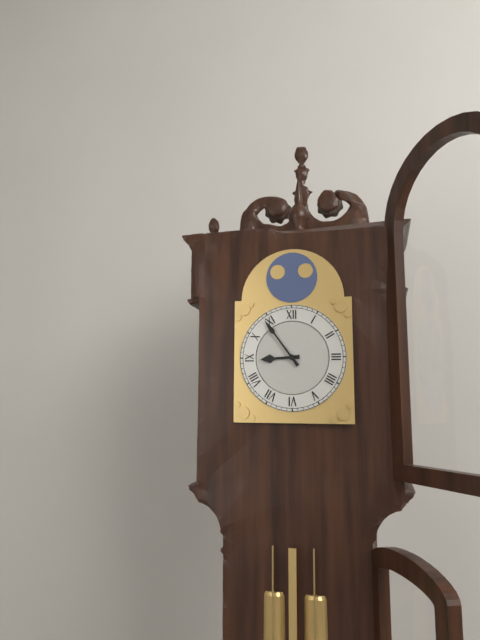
8:54
